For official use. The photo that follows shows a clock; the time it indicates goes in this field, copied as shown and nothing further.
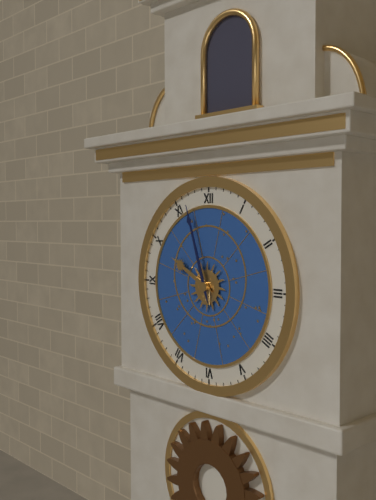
9:57
